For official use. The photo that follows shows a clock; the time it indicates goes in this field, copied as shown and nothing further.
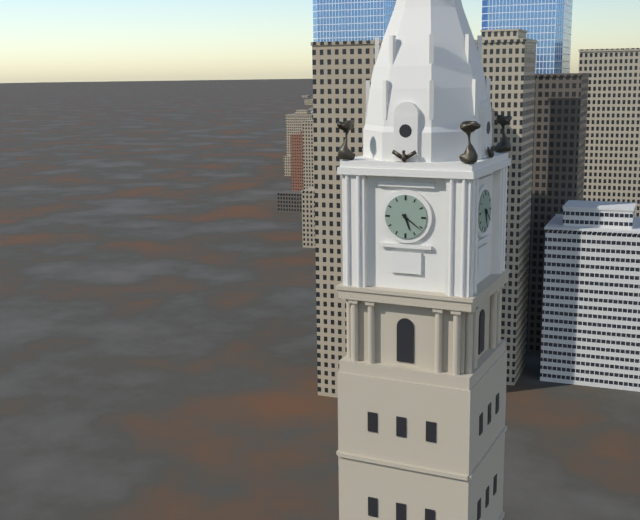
5:21
